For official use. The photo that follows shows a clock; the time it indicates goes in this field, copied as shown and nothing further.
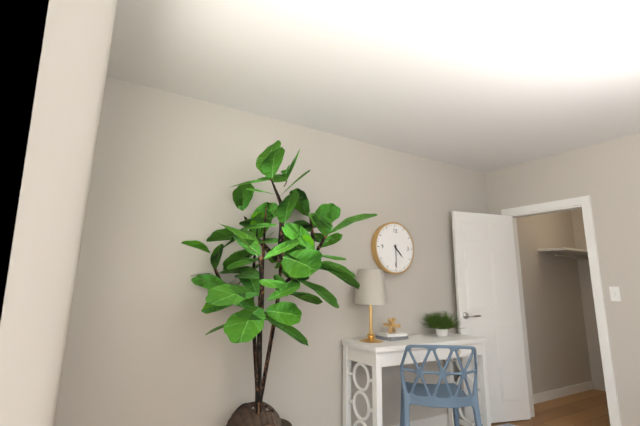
4:30
